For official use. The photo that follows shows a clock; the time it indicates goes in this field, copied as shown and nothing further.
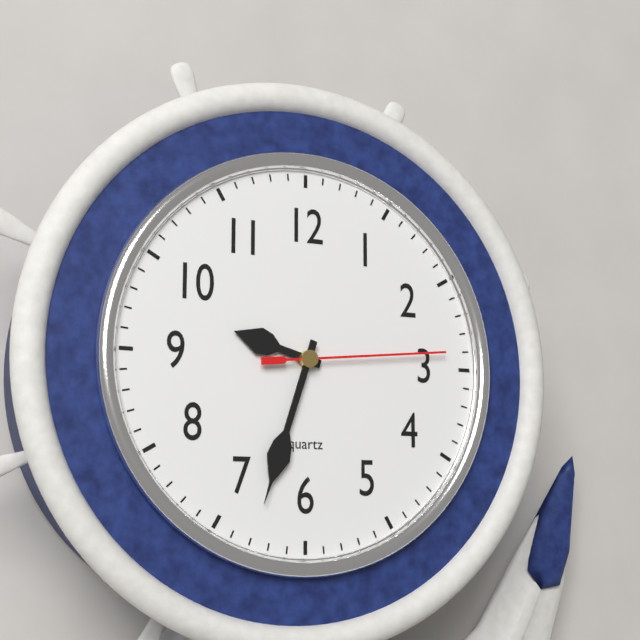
9:33:14
